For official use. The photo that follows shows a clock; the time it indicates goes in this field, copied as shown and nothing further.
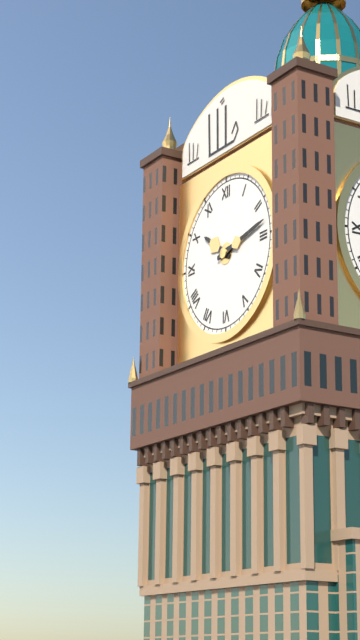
10:13
